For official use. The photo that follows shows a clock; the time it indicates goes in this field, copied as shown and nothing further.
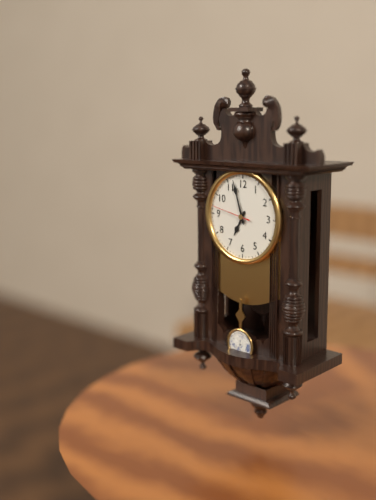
6:57
